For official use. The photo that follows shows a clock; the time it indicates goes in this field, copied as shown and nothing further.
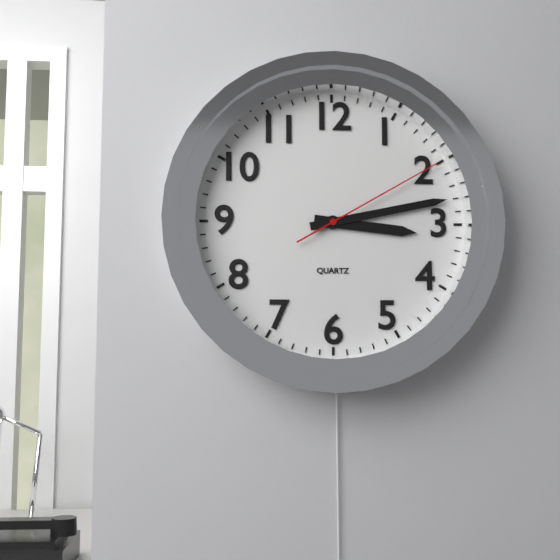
3:13:10
